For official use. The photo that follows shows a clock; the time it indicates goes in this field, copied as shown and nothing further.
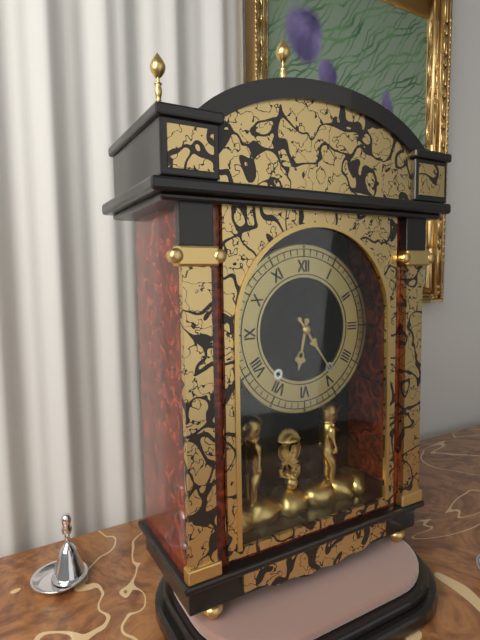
6:24
